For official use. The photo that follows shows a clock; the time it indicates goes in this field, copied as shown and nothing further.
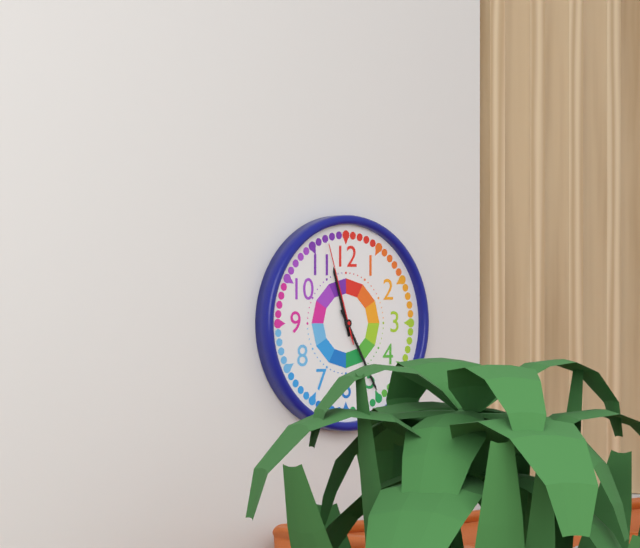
11:25:57
